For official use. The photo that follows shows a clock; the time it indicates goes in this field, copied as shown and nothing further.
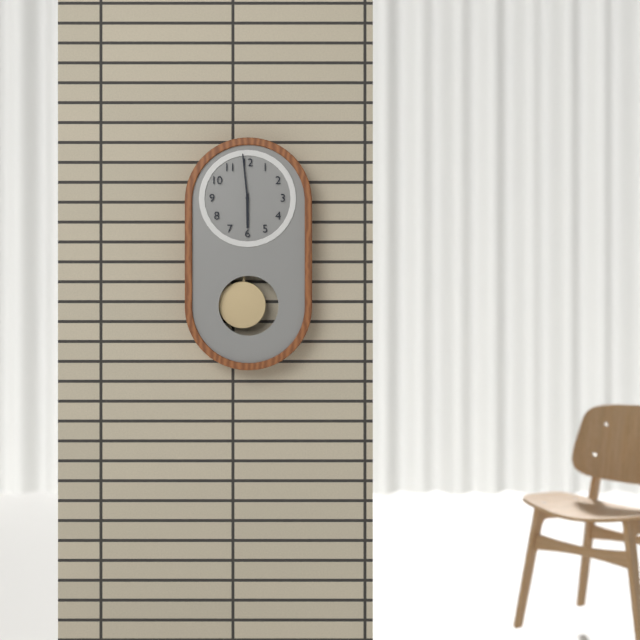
5:59
